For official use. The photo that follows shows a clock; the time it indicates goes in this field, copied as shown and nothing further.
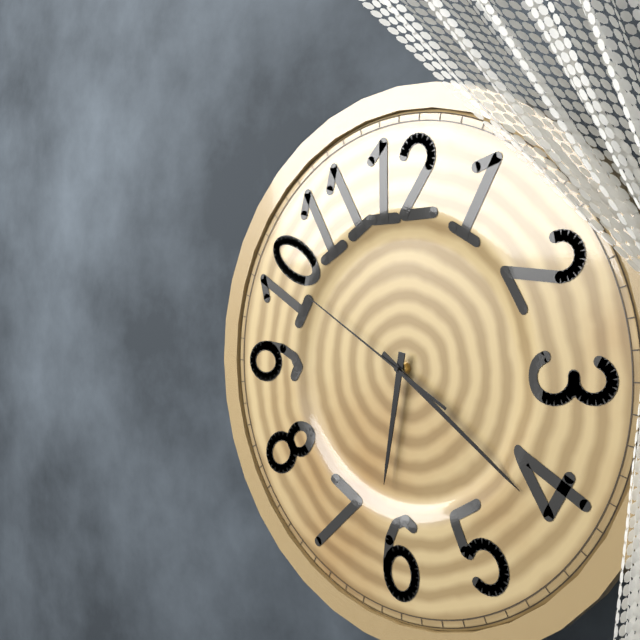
6:21:50
